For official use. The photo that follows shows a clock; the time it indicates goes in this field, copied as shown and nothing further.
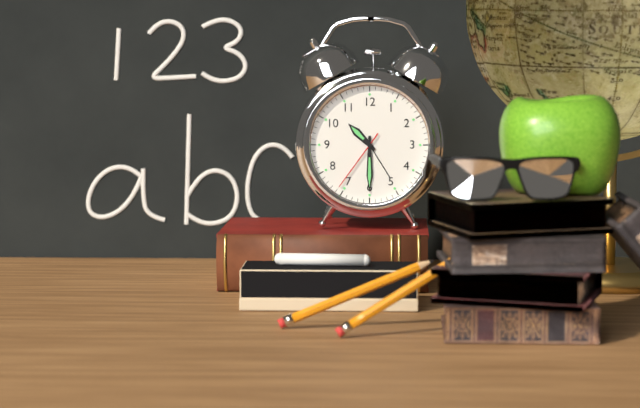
10:30:36
